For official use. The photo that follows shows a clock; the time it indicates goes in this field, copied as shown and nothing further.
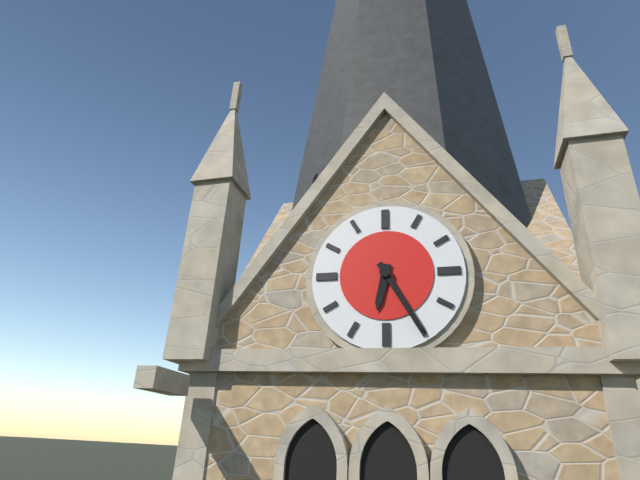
6:25
